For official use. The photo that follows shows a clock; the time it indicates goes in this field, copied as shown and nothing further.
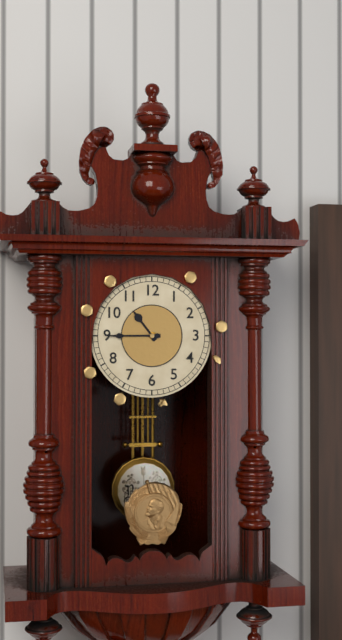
10:45
